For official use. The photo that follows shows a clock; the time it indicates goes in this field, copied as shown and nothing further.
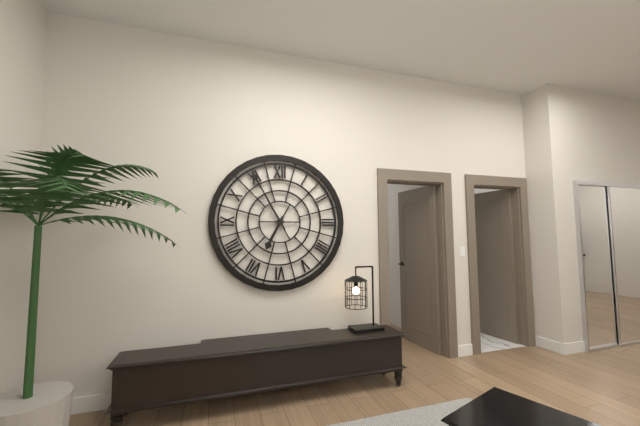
6:55
